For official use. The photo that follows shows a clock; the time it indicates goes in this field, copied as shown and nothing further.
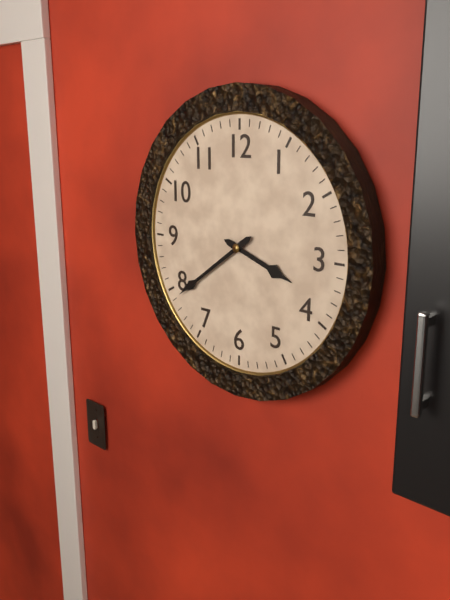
3:39
